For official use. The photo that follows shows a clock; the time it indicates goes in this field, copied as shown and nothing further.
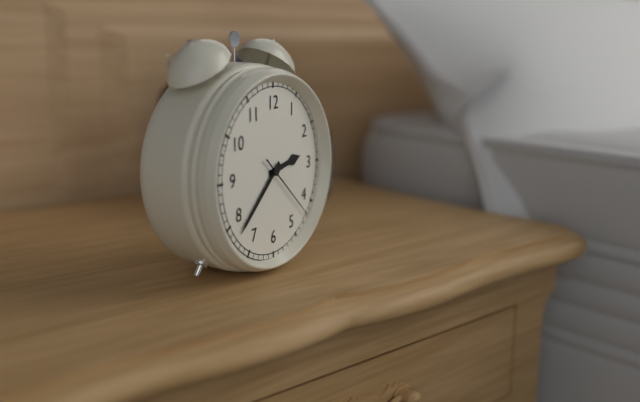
2:38:22
